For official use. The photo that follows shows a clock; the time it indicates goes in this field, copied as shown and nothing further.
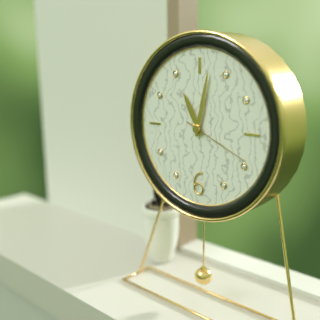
11:02:19
